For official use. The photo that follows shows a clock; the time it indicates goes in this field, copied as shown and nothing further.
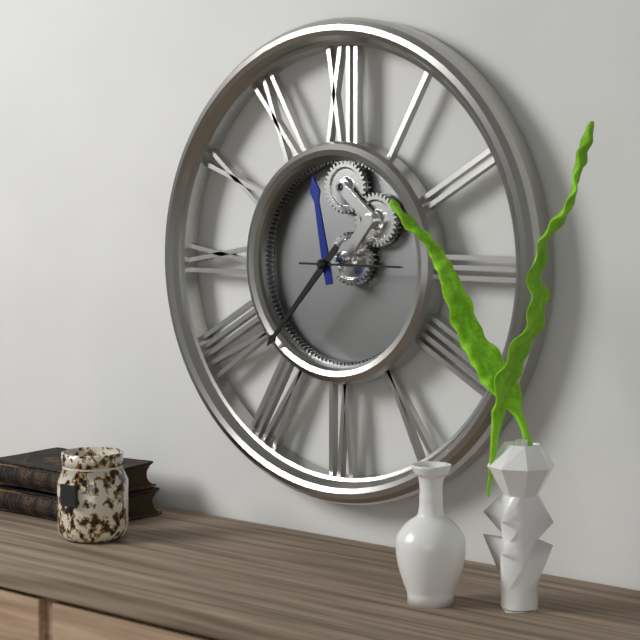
11:37:15
